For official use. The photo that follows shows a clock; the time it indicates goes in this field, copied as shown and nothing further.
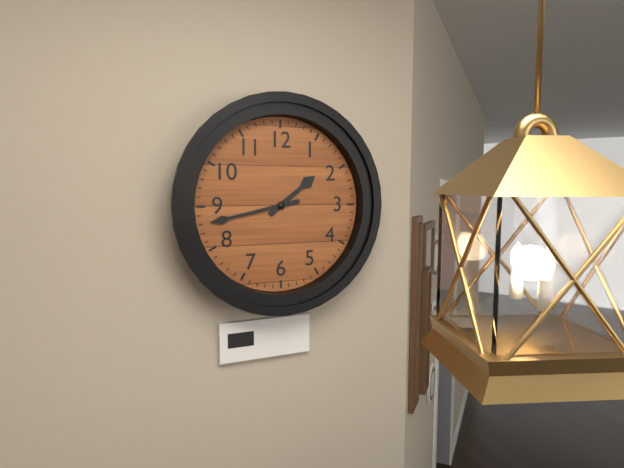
1:43
